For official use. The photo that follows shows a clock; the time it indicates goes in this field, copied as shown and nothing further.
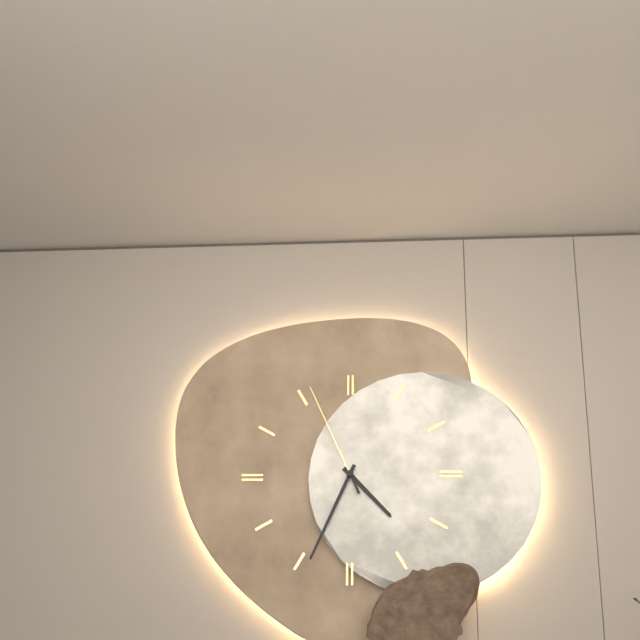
4:34:56
